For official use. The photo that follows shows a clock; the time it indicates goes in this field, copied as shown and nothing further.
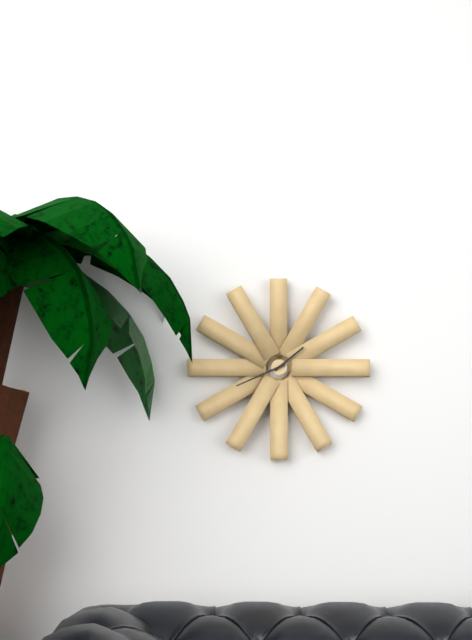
1:41
